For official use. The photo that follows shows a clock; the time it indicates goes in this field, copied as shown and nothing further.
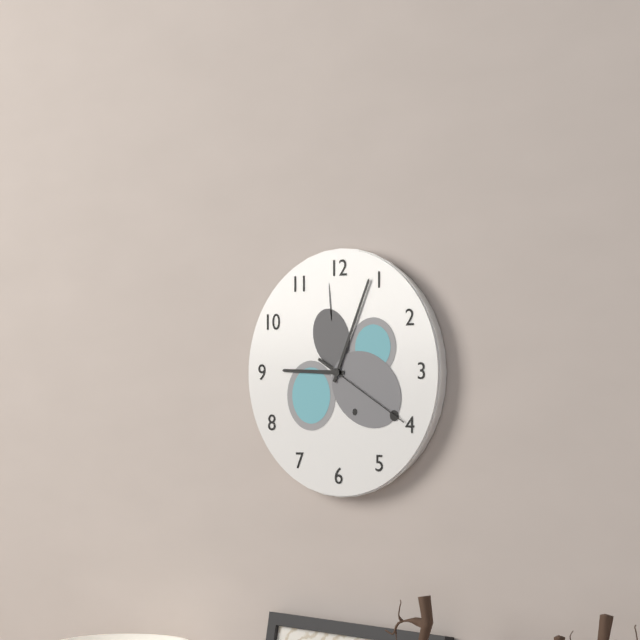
9:04:20
